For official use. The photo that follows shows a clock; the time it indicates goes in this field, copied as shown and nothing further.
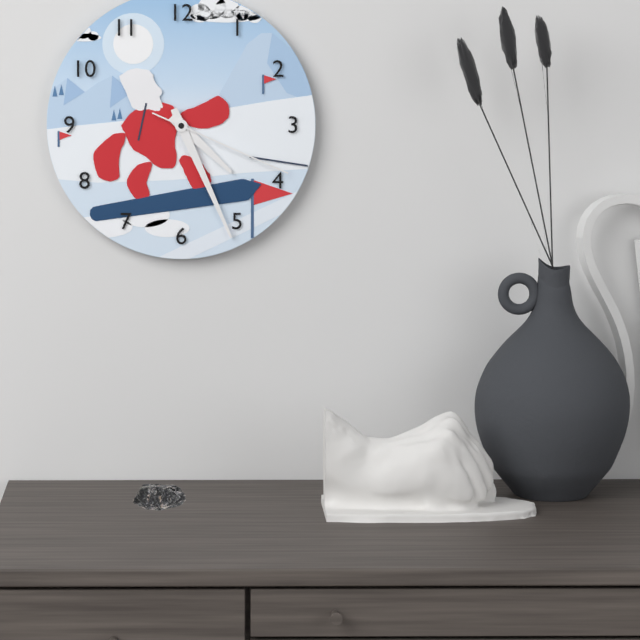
4:26:19
